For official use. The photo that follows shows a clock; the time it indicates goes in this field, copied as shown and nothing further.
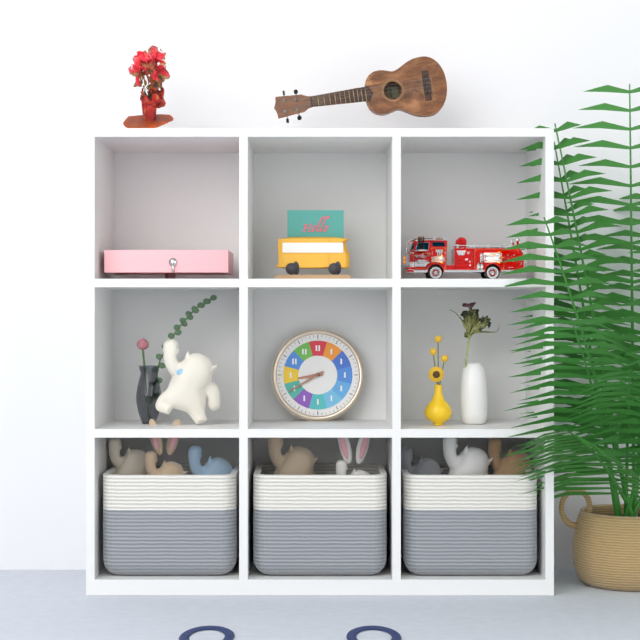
8:40
